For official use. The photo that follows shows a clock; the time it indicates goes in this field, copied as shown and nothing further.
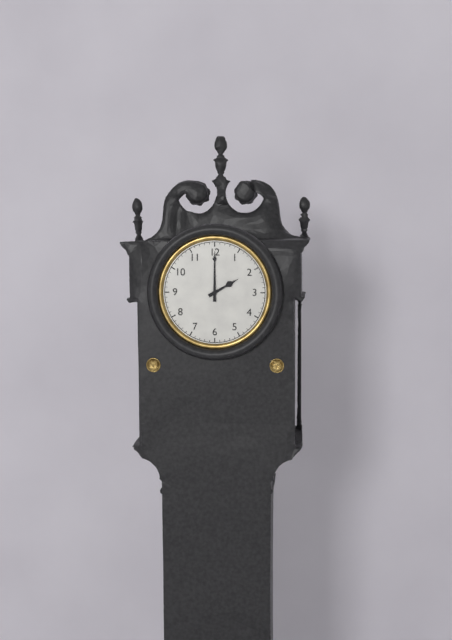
2:00
